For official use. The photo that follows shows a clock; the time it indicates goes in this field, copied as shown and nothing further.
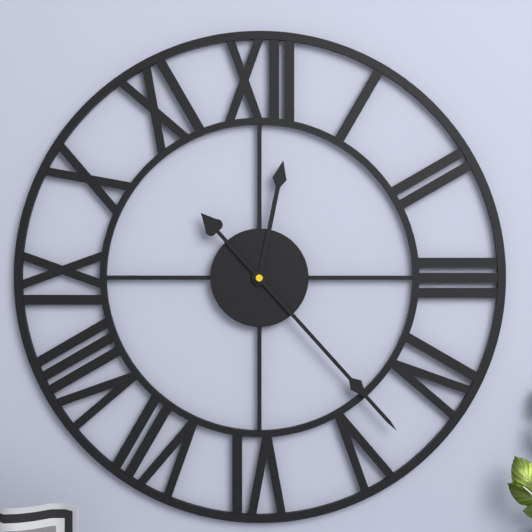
12:23
